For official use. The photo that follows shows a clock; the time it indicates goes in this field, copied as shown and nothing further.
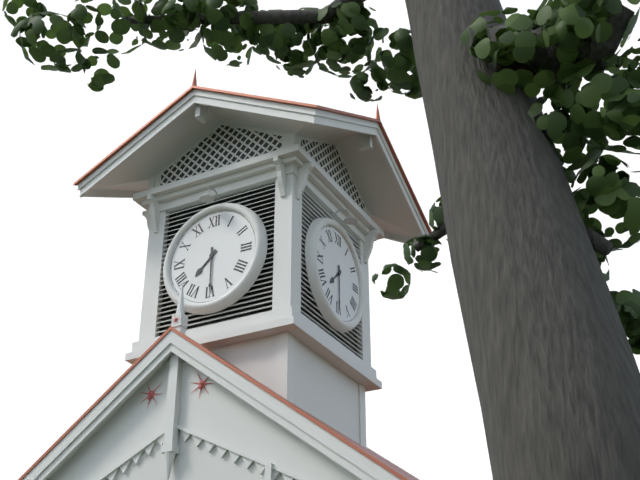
7:30
